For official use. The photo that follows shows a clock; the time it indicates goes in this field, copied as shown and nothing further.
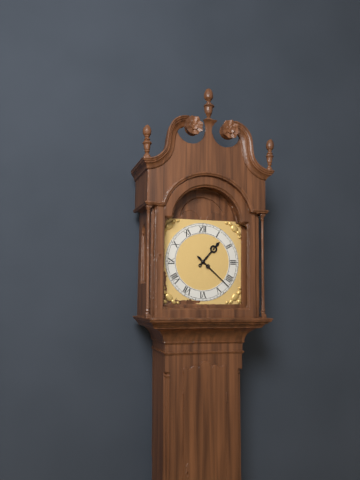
1:22
